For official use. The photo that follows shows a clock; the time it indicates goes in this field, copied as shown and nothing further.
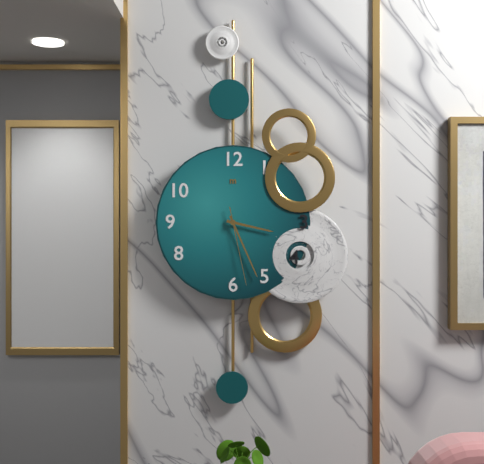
3:26:28
